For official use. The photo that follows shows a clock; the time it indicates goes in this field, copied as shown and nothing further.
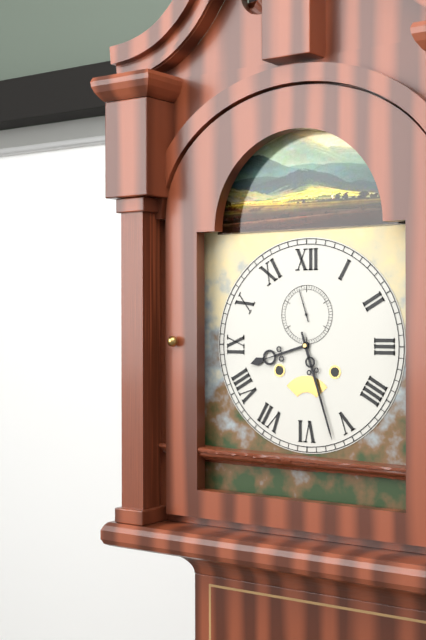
8:27
